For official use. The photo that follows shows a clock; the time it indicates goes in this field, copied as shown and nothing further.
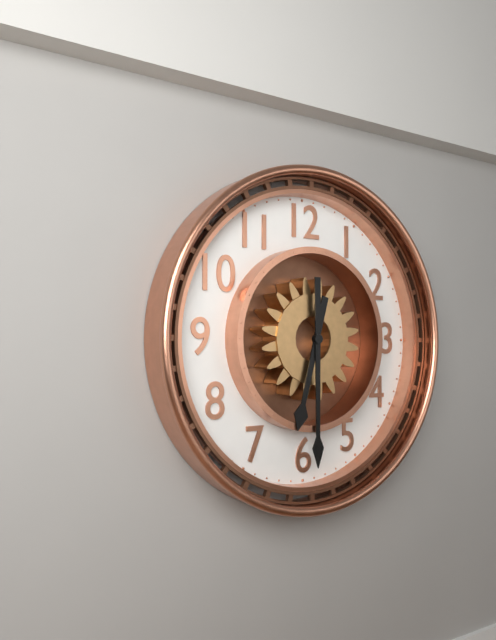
6:30
